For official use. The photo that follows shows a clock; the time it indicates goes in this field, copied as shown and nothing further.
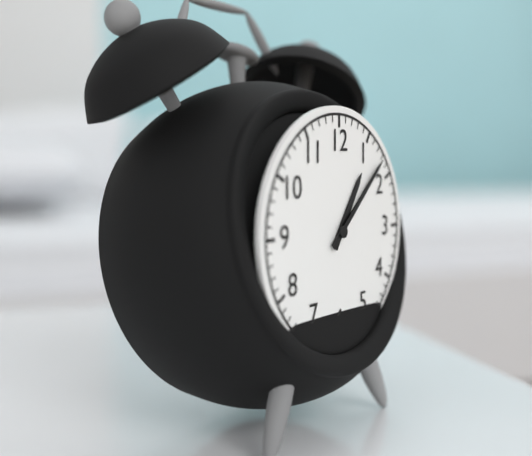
1:08
